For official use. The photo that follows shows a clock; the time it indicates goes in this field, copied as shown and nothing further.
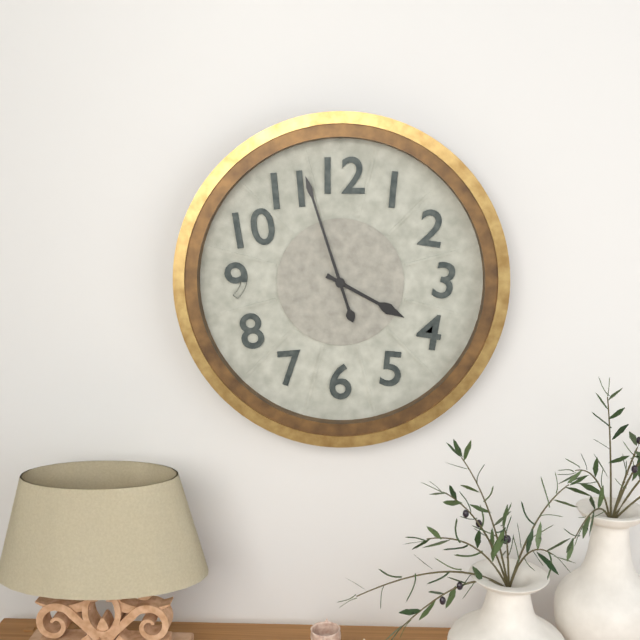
3:57
